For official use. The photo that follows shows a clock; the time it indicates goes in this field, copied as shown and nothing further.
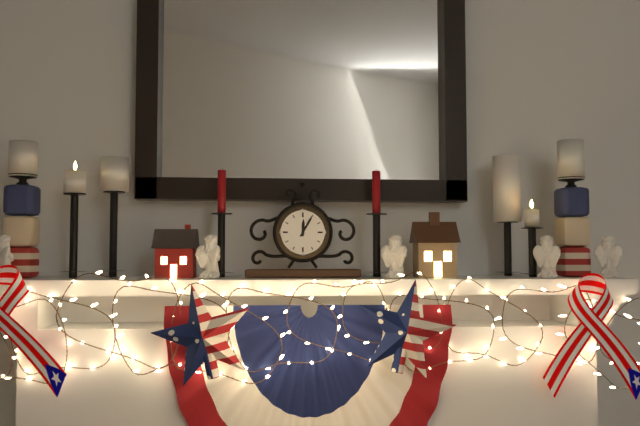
12:05
